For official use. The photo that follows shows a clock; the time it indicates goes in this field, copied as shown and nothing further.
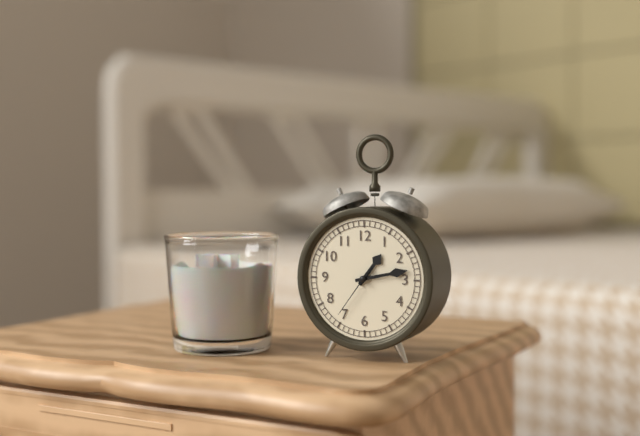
1:13:36
